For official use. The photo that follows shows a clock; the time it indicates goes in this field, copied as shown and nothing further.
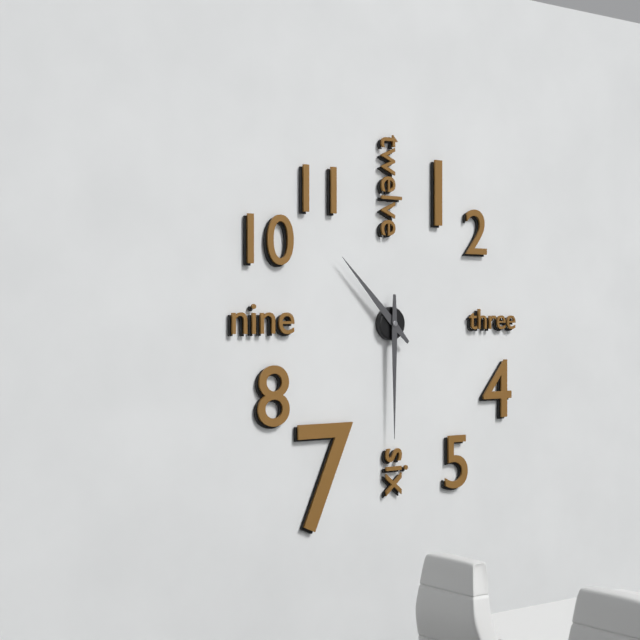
10:30
